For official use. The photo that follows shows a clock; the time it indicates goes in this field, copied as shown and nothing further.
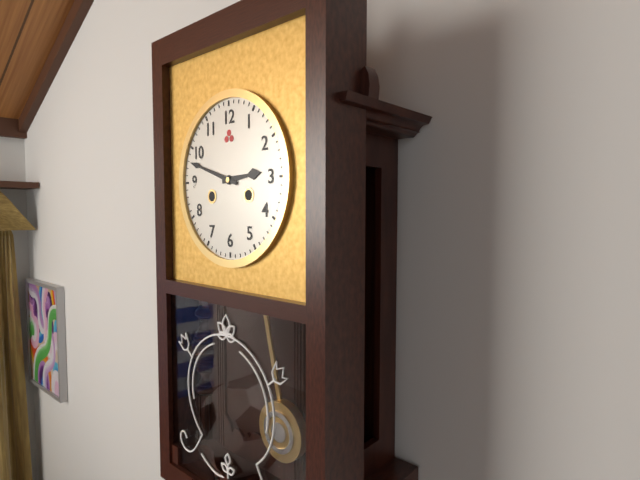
2:48
